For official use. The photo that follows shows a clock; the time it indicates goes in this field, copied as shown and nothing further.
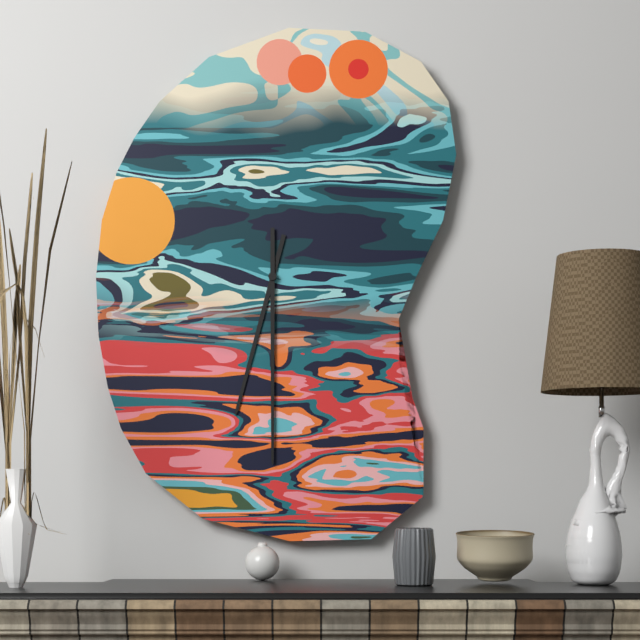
6:30
